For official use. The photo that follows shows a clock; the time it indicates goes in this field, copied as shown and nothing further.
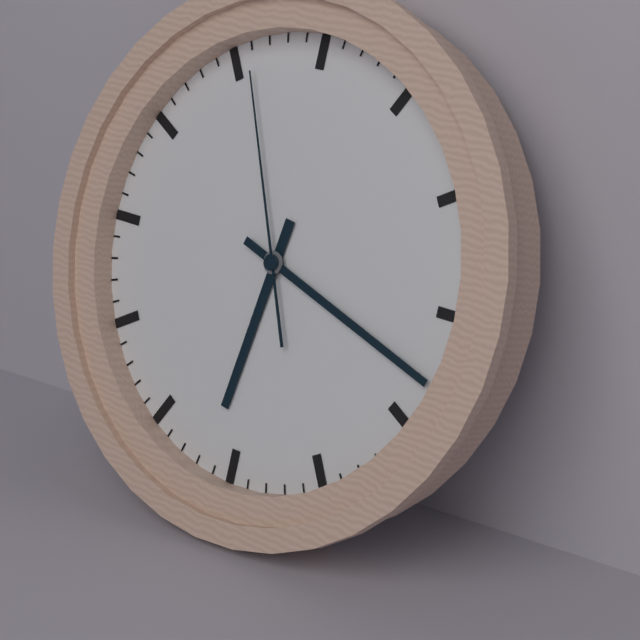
6:18:56
